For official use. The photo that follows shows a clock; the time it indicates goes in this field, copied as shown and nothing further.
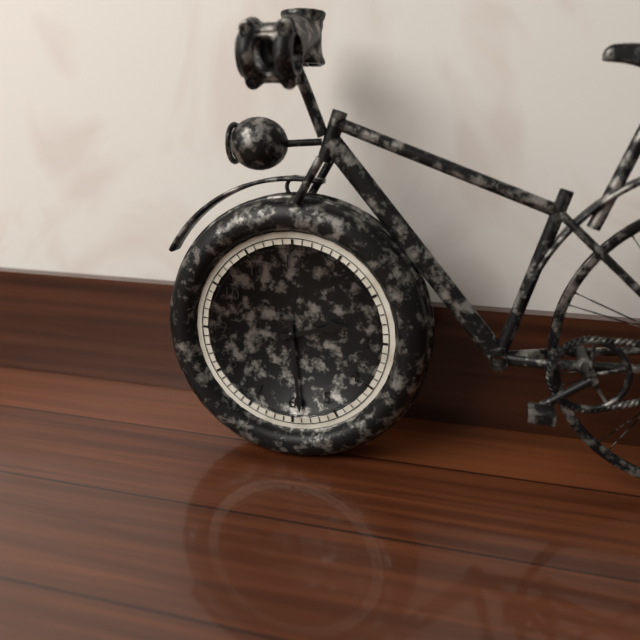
2:29
